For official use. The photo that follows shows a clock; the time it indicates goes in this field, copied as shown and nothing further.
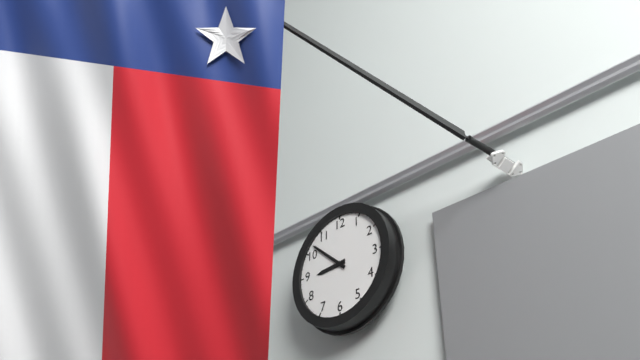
8:52
